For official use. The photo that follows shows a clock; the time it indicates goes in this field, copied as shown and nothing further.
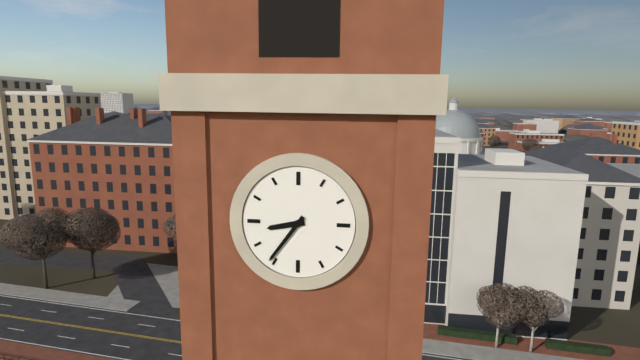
8:36
